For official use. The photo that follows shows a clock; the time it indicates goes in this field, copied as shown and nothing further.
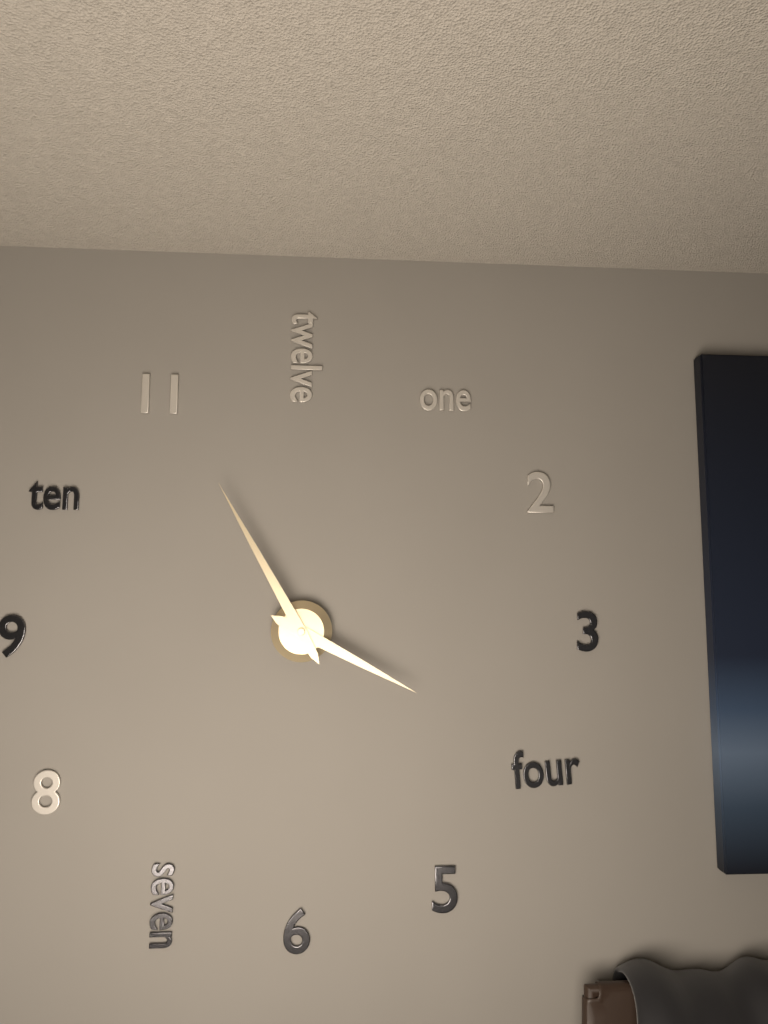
3:55
